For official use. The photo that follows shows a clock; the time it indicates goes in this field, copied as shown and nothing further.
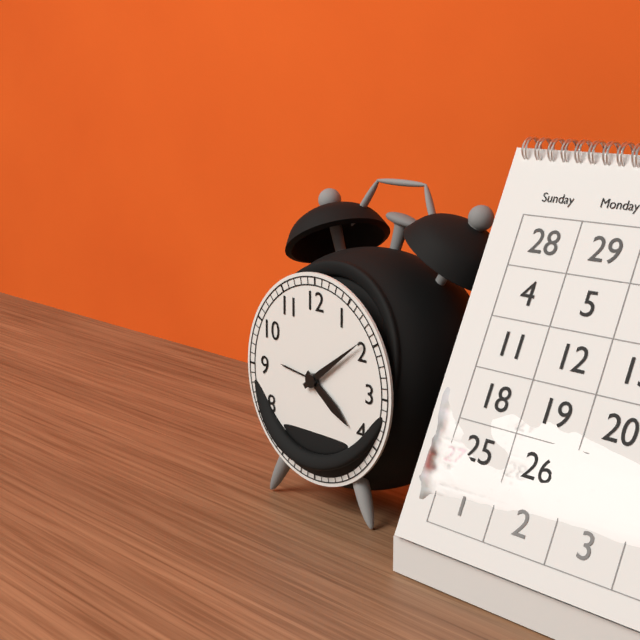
4:09
